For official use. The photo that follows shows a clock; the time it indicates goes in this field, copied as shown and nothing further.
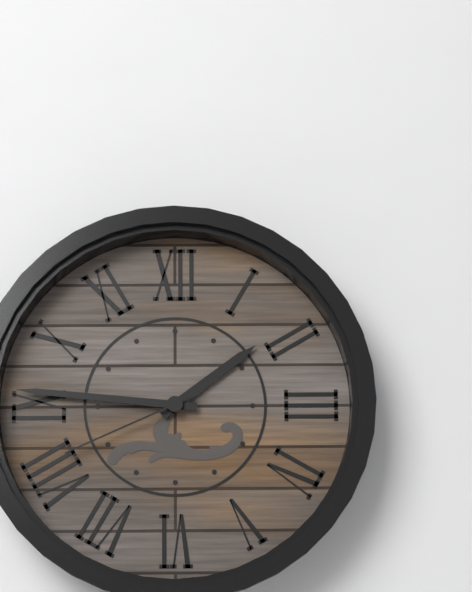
1:46:41
